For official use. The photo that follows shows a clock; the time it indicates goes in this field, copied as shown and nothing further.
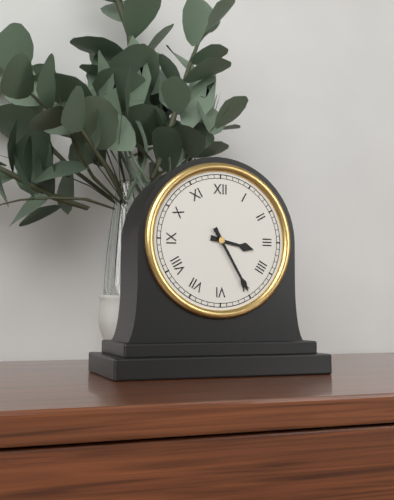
3:25
